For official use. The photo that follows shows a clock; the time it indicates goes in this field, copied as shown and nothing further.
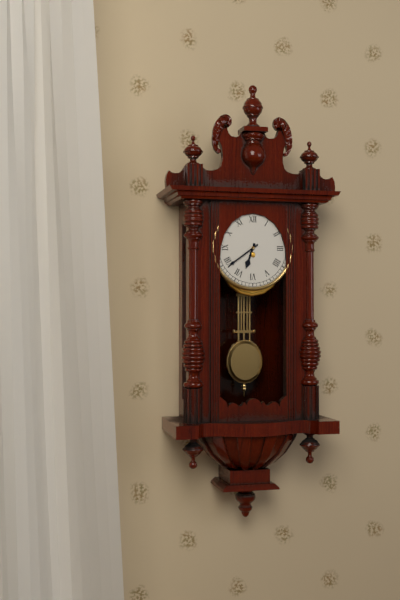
6:39
